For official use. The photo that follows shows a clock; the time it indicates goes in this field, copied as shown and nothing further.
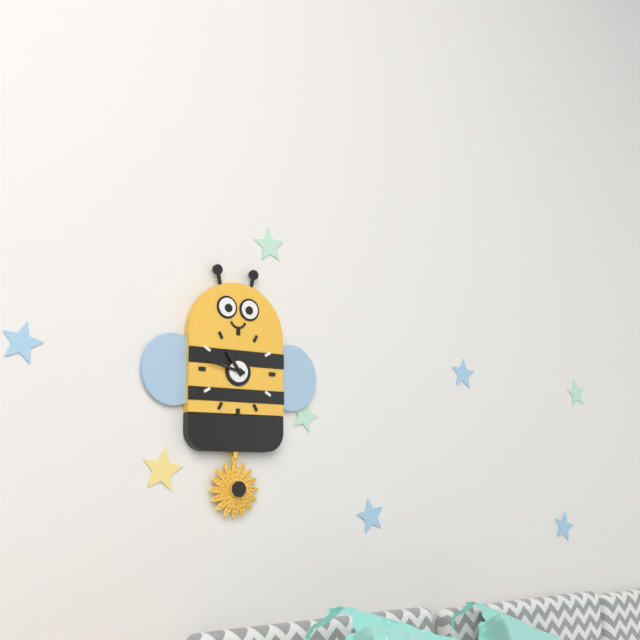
10:47
